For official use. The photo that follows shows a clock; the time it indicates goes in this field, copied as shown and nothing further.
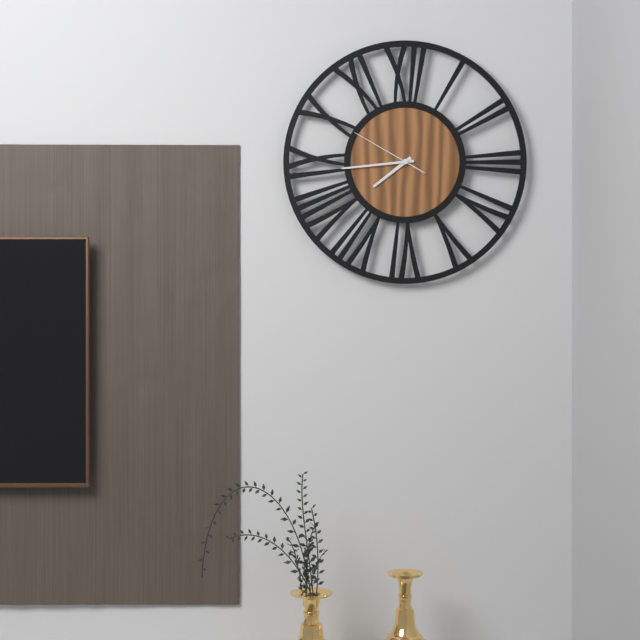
7:44:50
